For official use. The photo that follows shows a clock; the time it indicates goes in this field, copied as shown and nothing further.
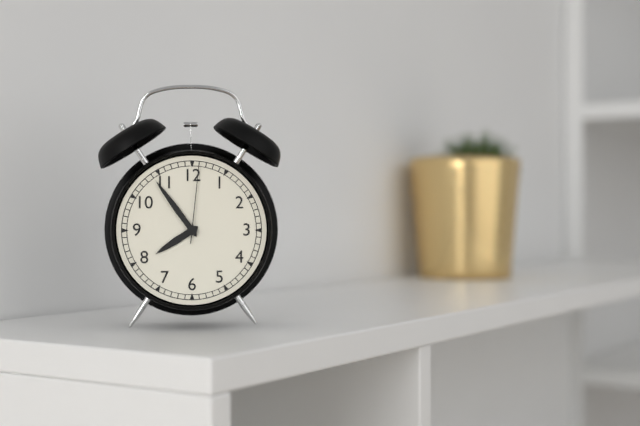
7:54:01
